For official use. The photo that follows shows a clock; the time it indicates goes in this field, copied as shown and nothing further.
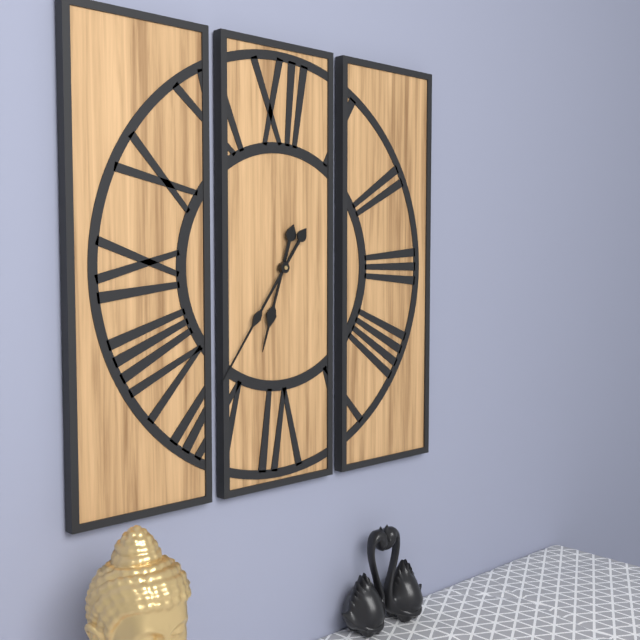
6:36
